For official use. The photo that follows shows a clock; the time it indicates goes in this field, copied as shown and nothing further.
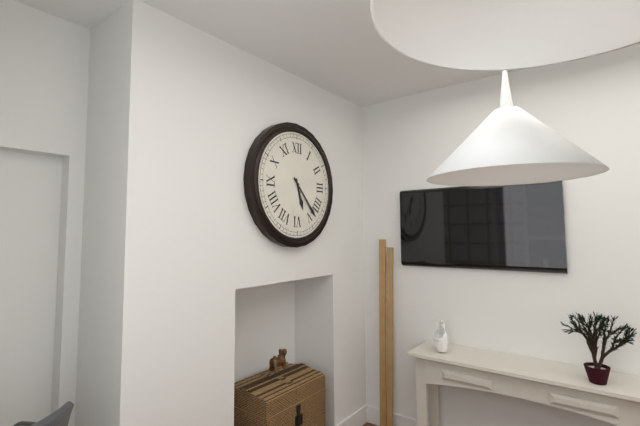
5:23
